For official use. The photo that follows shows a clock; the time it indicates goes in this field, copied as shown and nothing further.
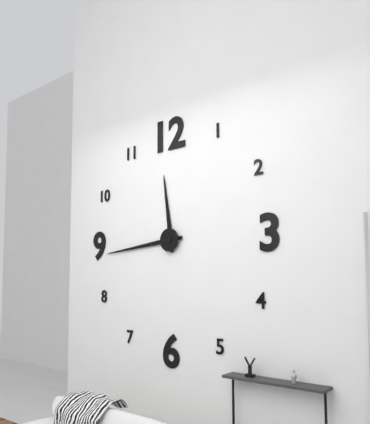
11:44
